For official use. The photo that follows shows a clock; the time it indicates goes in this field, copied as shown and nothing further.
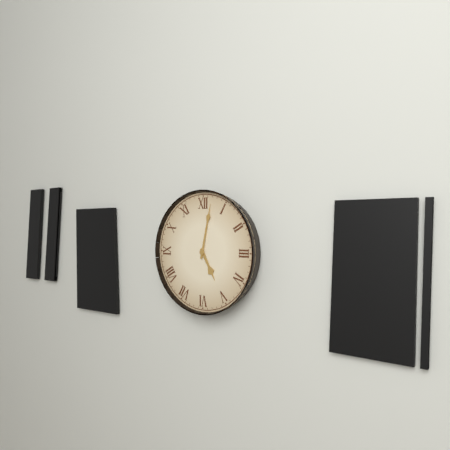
5:02
